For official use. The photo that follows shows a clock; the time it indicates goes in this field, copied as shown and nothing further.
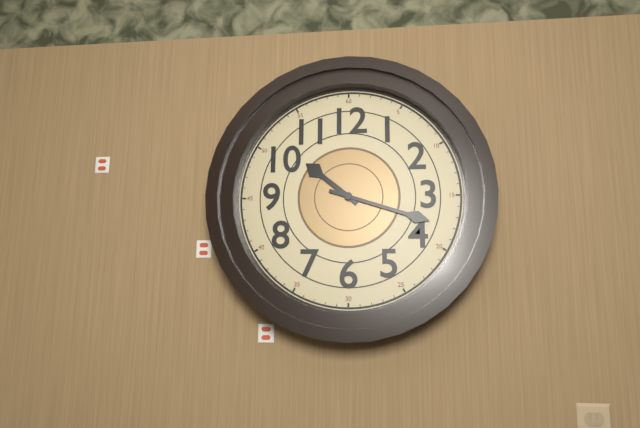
10:18
